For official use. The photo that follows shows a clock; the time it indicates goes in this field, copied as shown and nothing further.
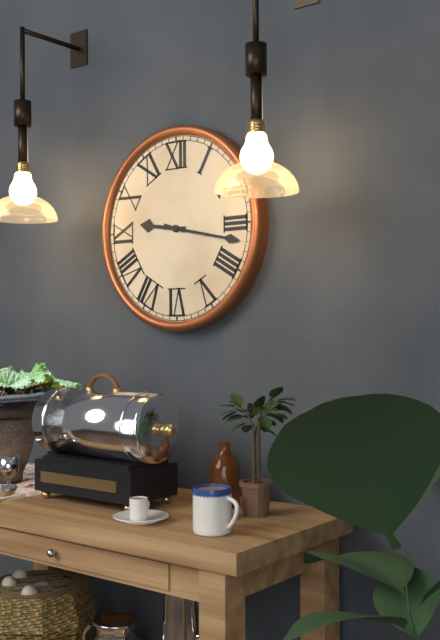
9:17
